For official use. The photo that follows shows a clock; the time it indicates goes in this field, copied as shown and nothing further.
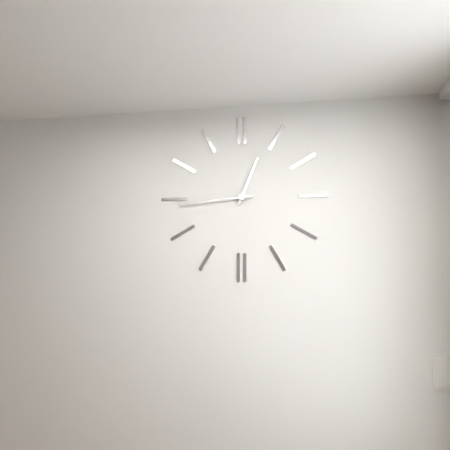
12:44
